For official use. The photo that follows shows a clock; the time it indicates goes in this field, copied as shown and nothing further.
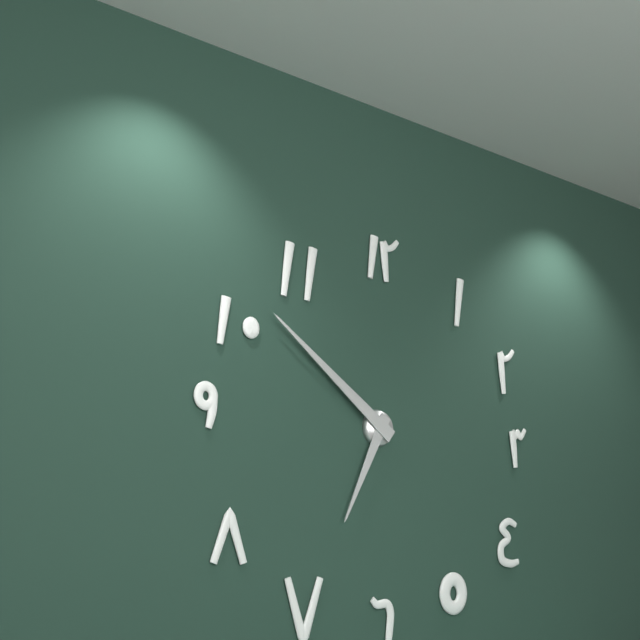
6:51
